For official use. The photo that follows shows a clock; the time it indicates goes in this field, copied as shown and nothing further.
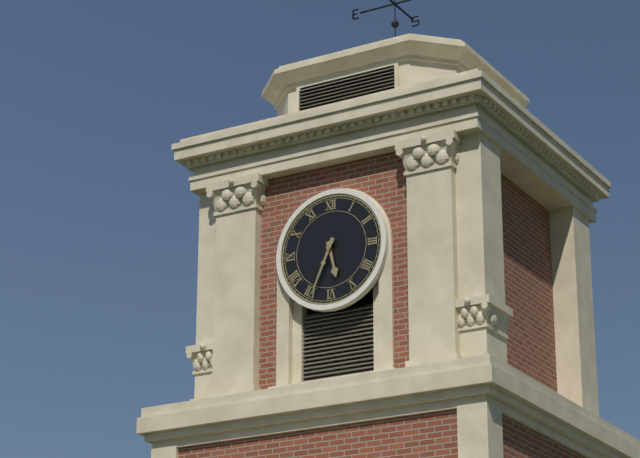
5:34
